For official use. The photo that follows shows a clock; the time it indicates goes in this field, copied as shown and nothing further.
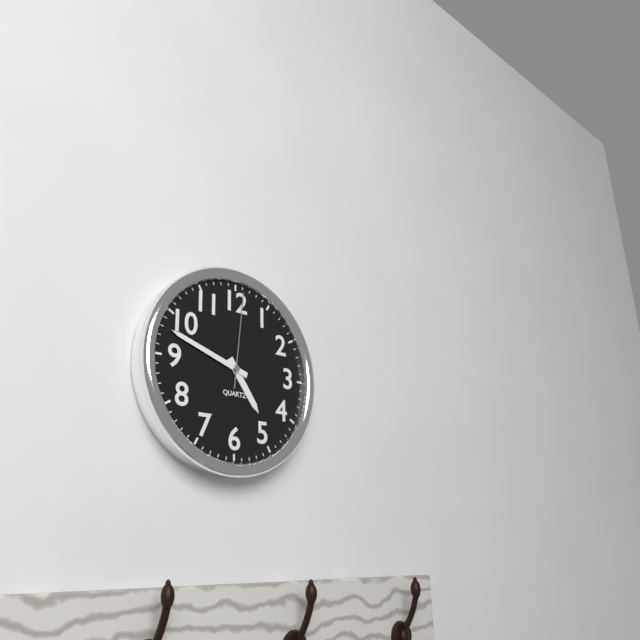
4:48:01
